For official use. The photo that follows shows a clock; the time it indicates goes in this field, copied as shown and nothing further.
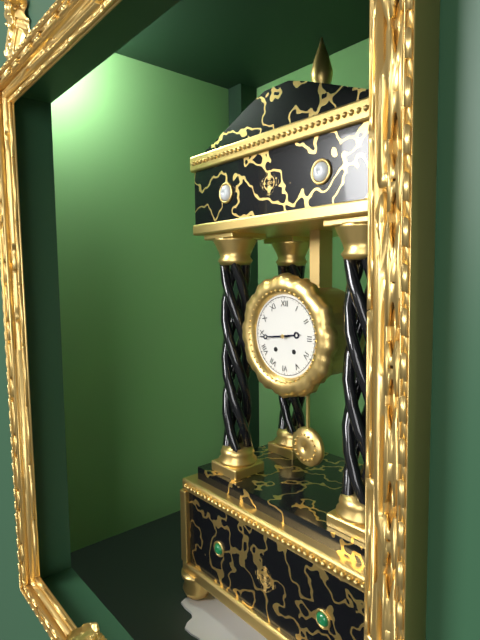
2:44
